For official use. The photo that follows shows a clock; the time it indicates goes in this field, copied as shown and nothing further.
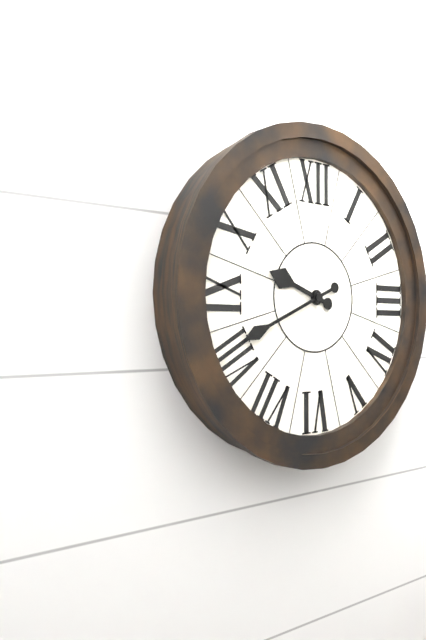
9:41
